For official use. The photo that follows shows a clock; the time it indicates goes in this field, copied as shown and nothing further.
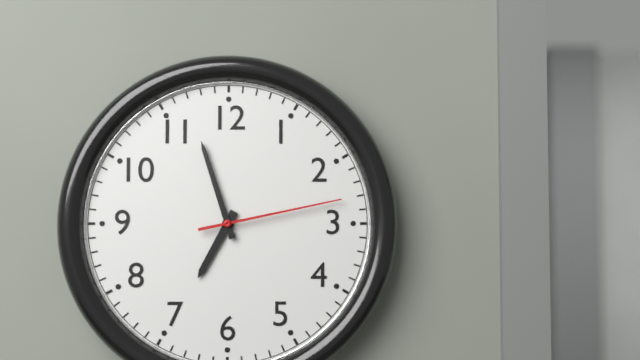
6:57:13
